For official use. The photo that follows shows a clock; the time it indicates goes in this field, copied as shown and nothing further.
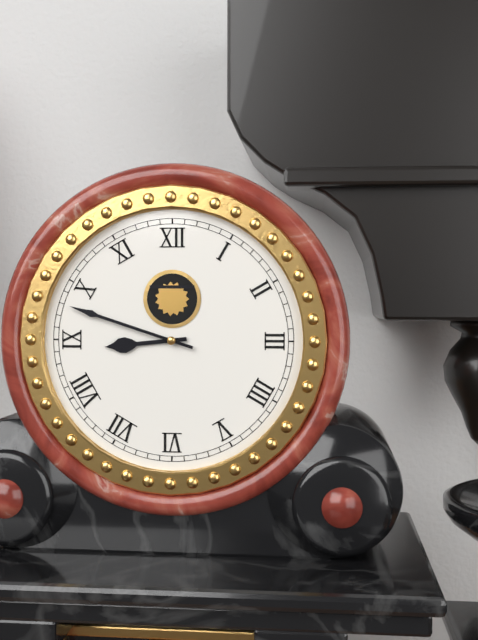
8:48
